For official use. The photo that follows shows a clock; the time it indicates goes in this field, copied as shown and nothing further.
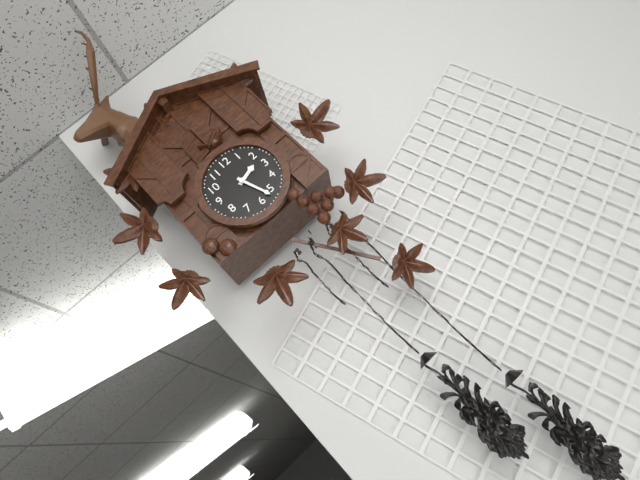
2:27
